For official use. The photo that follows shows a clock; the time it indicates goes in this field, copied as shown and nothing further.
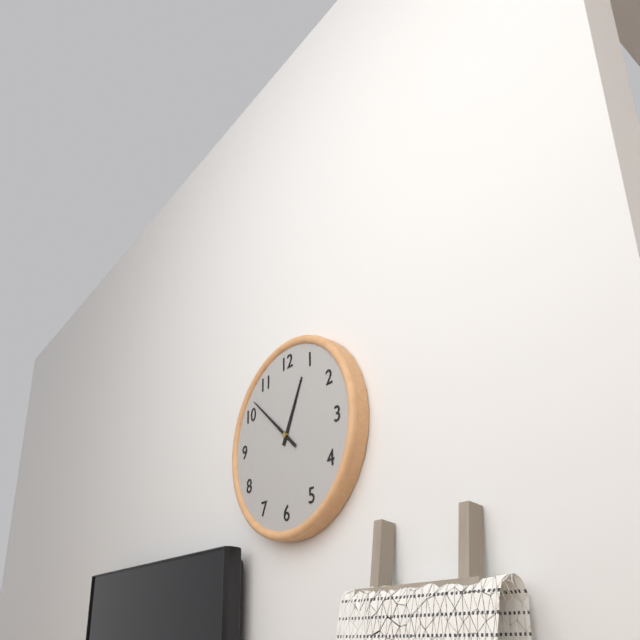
12:52
